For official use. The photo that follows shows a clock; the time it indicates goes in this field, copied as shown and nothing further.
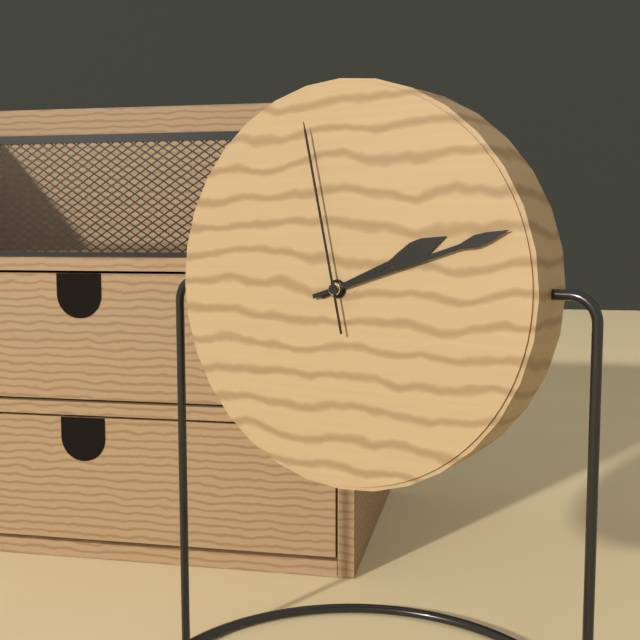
2:12:58
